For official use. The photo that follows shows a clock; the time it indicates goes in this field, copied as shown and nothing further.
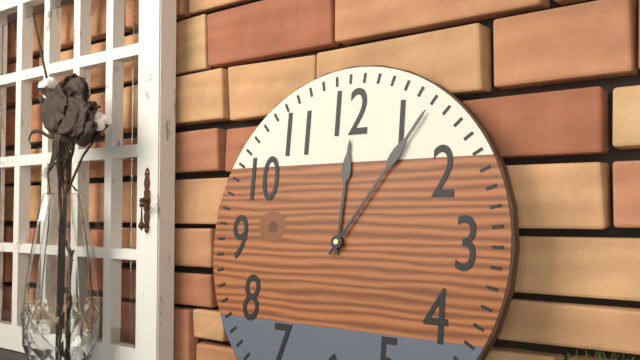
12:06
